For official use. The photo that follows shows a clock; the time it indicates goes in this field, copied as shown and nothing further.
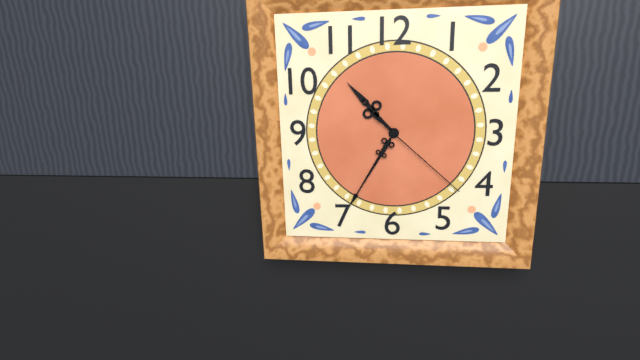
10:35:22
